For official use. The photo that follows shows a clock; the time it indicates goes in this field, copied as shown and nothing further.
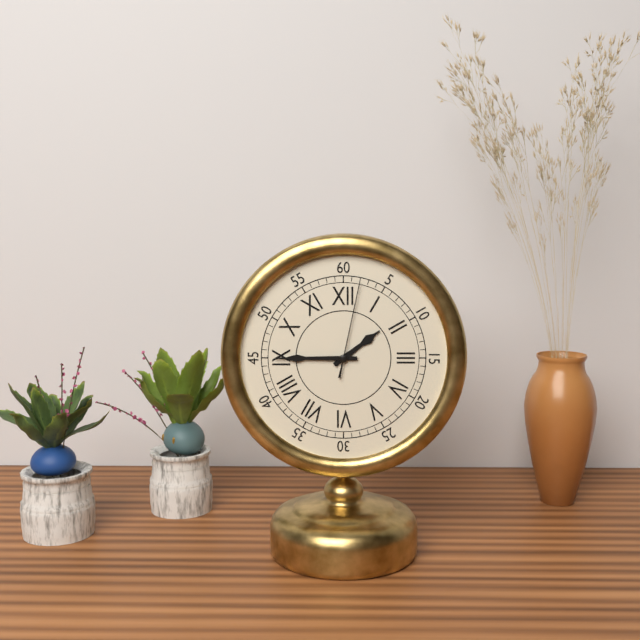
1:45:02
